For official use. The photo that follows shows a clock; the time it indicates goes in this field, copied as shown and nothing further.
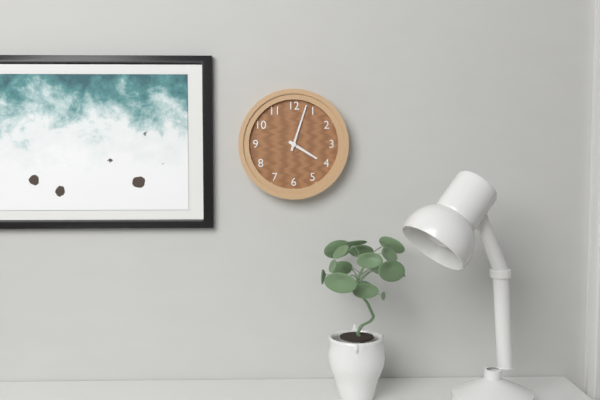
4:03
